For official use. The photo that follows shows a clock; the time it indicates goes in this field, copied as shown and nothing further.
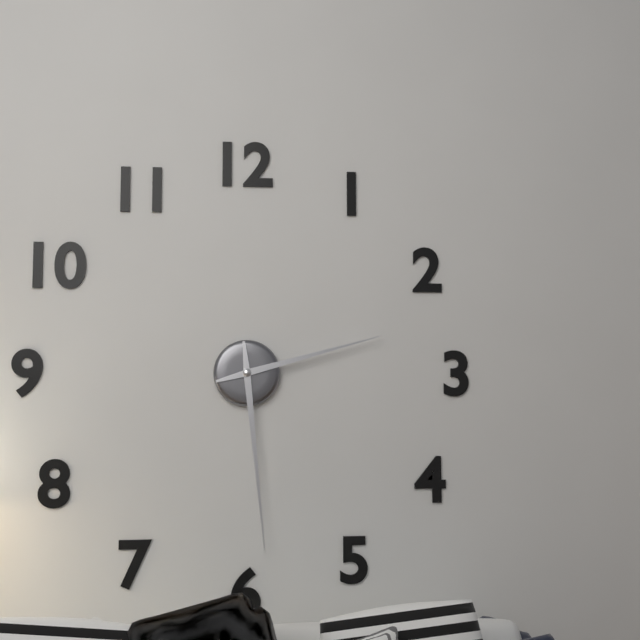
2:29
